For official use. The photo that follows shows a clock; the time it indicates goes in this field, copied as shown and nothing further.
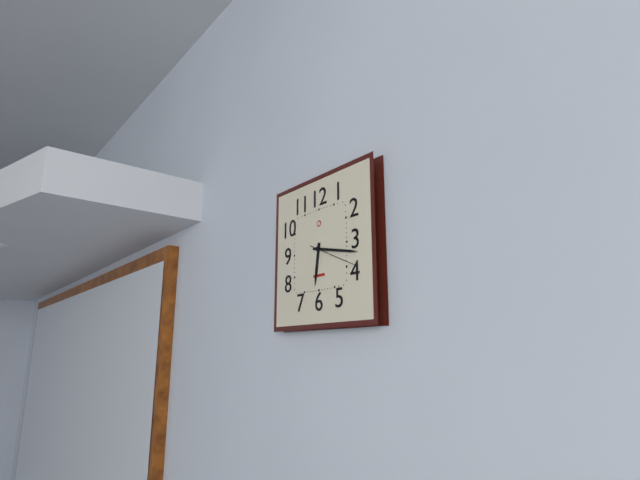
6:17:19
